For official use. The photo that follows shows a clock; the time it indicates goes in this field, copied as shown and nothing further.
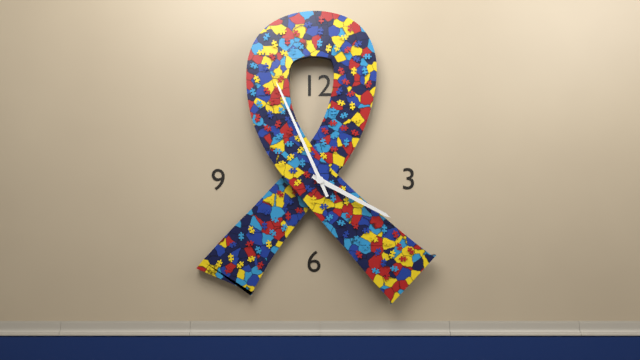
3:56
